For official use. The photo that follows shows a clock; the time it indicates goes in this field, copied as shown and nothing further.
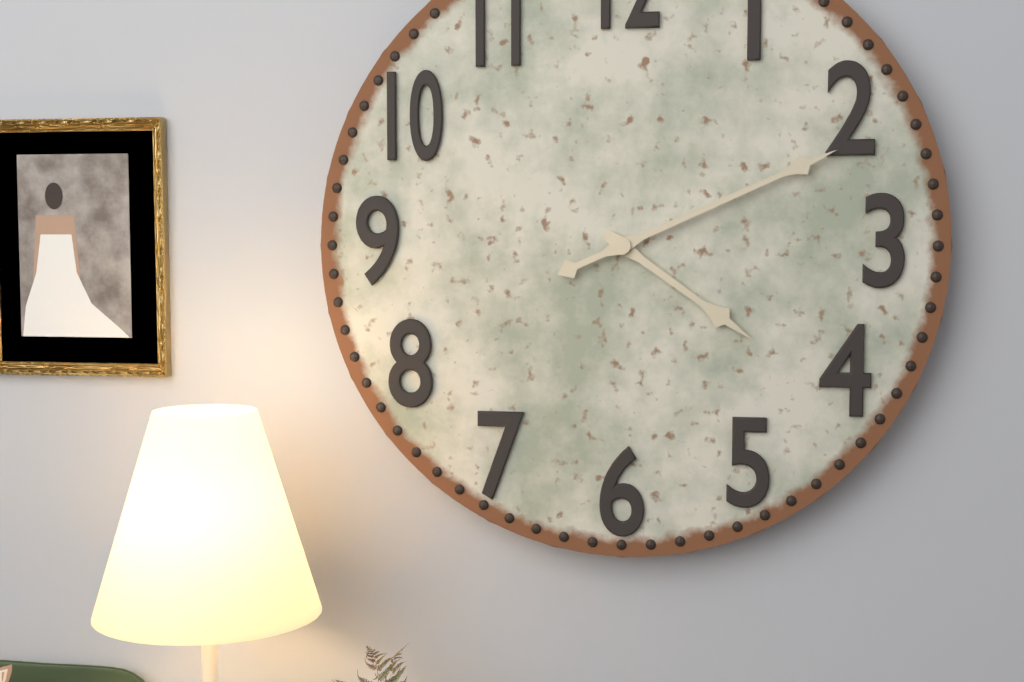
4:11
